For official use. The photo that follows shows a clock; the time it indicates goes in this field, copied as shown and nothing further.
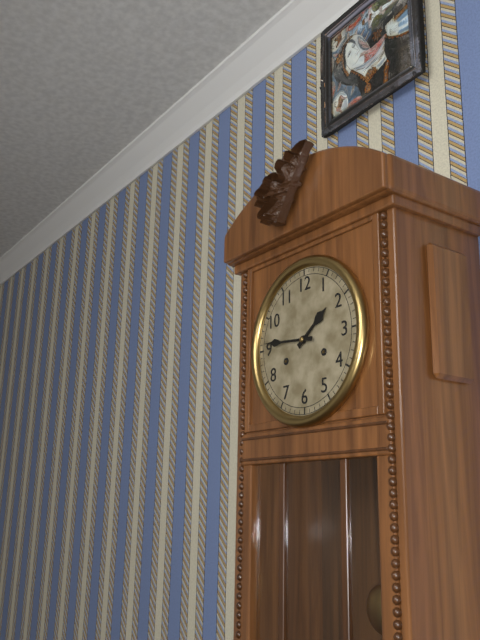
1:46
